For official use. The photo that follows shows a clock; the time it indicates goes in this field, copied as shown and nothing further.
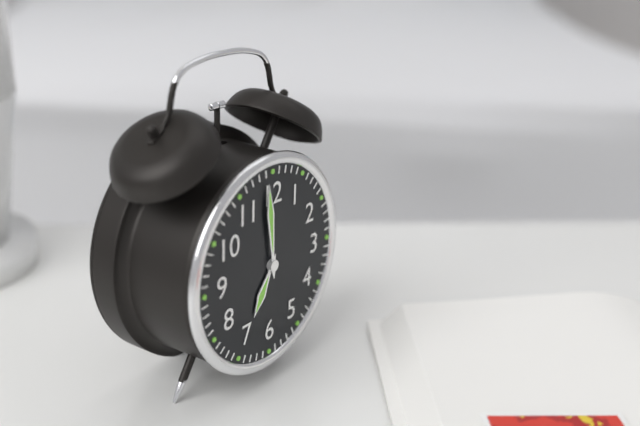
6:59
